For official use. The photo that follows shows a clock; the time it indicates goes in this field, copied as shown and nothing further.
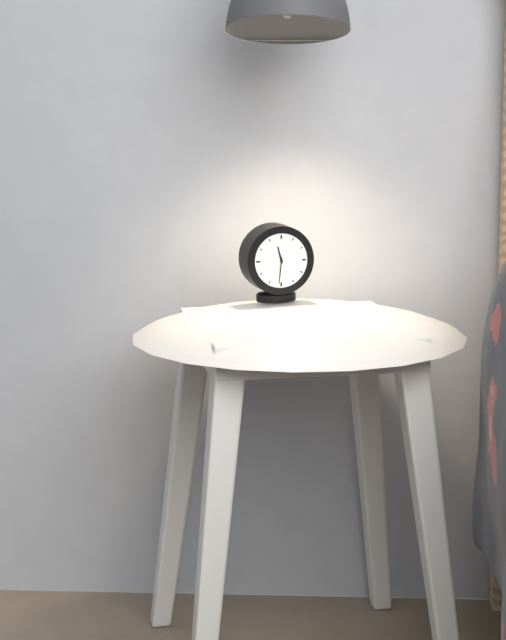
11:31
